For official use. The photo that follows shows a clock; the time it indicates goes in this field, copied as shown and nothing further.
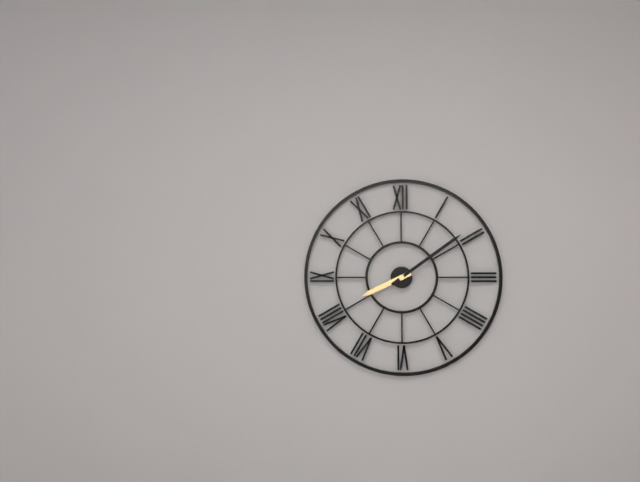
8:09
